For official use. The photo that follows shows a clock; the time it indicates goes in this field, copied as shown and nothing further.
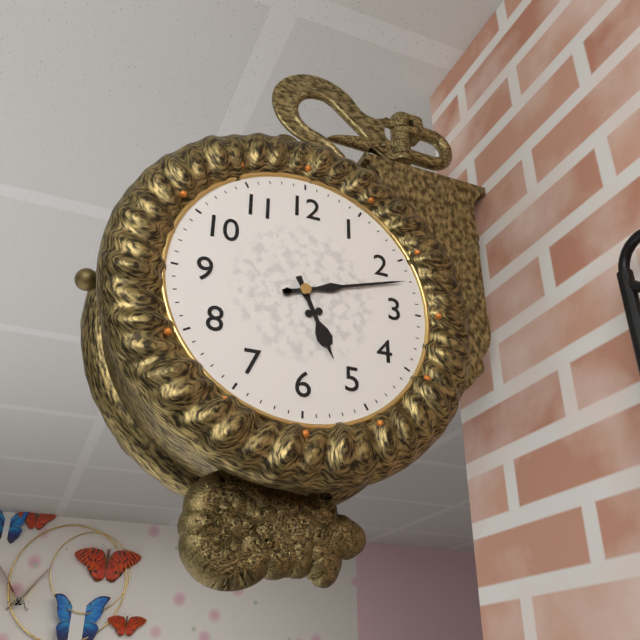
5:12
